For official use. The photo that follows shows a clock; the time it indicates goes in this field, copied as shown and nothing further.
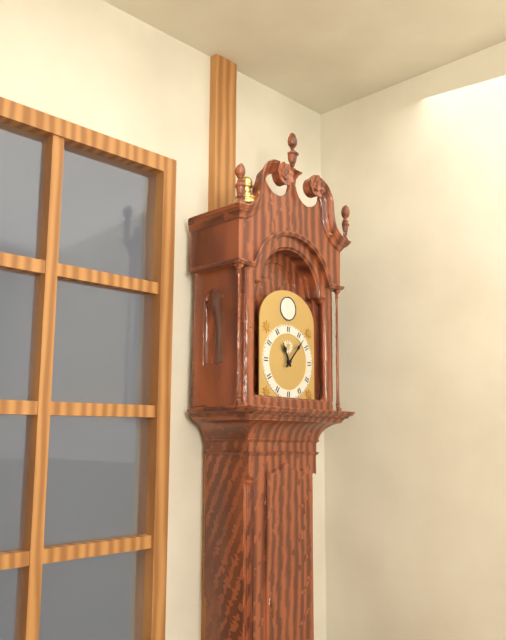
11:07
